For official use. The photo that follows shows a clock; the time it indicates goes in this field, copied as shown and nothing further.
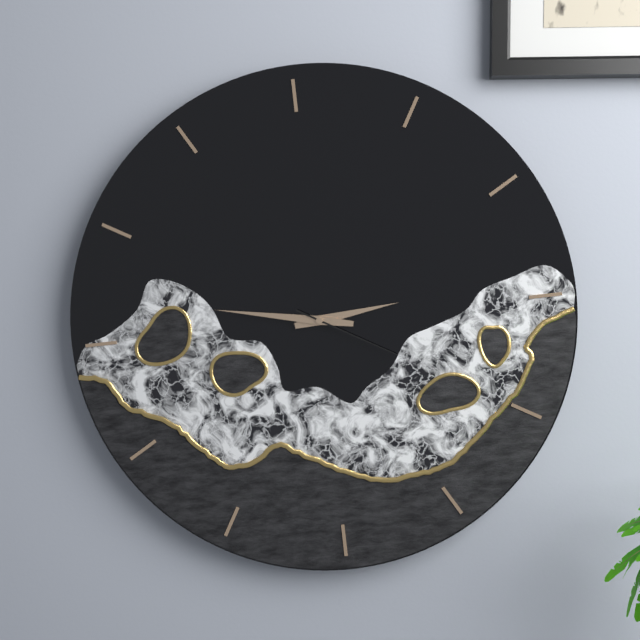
2:47:20
